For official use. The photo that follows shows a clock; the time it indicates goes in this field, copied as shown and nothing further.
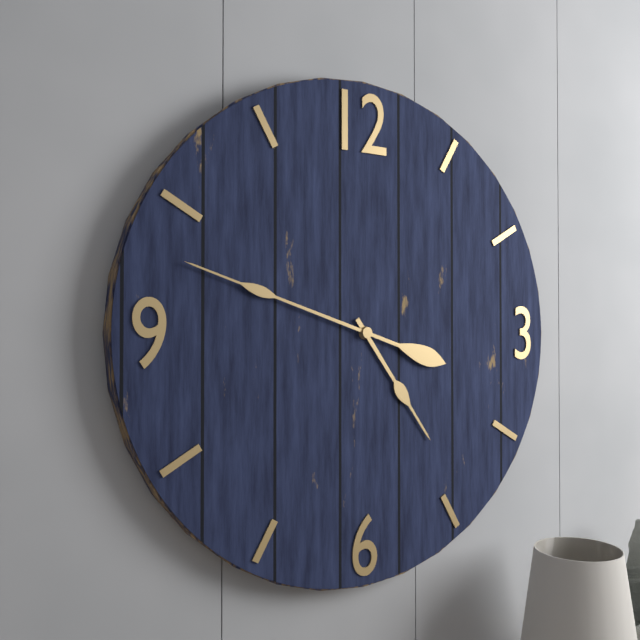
4:48
